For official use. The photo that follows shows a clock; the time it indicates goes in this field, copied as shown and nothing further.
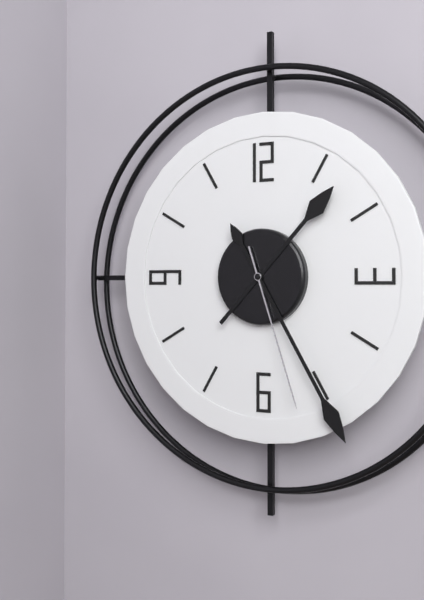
1:25:27
